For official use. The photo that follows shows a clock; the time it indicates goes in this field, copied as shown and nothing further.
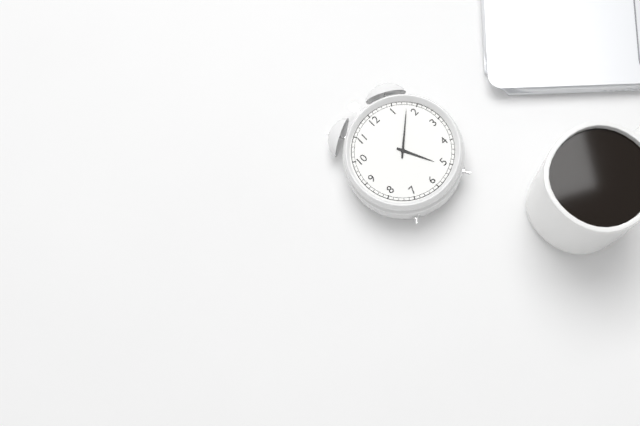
5:08
